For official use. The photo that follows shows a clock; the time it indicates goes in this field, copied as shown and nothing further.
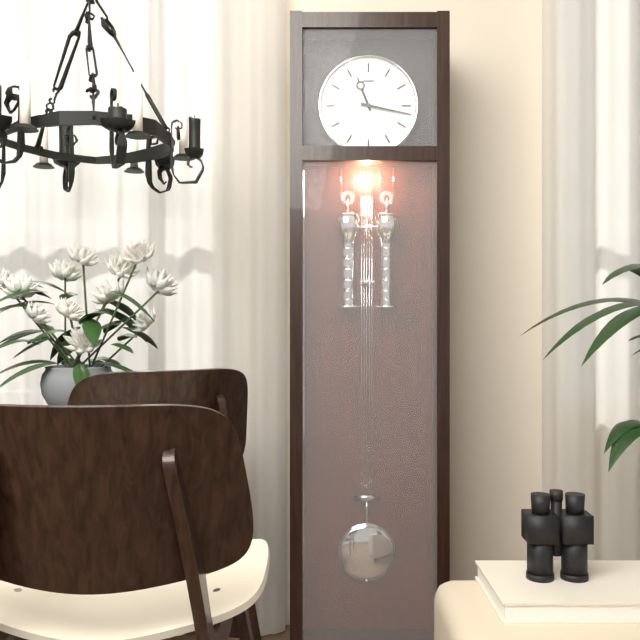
11:17
